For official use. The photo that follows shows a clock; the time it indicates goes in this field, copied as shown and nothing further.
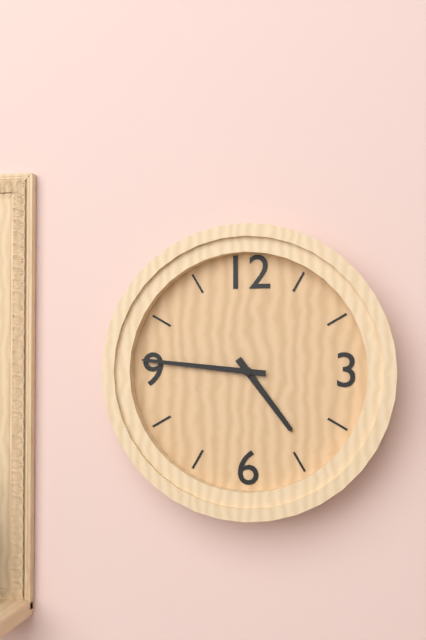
4:46
